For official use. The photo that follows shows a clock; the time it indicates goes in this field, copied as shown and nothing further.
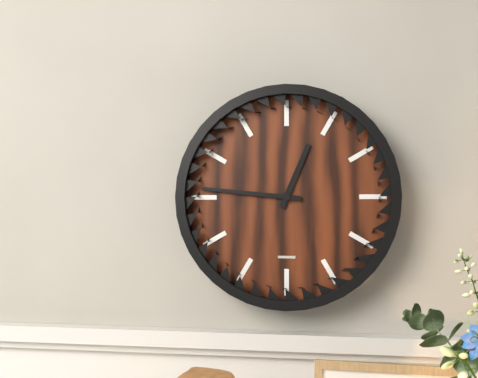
12:46
